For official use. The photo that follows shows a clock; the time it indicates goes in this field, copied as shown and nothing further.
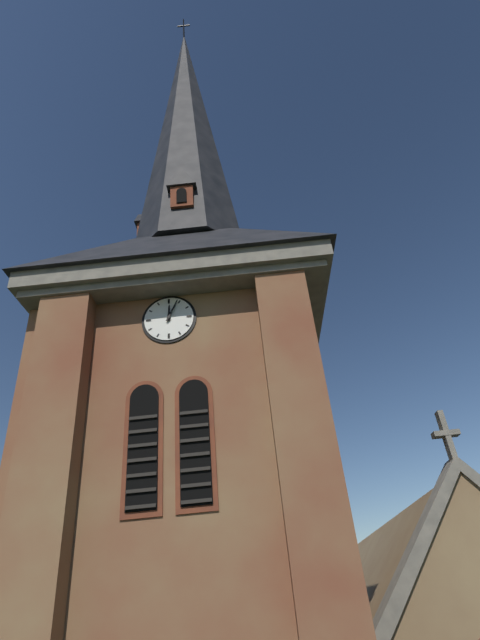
12:04
